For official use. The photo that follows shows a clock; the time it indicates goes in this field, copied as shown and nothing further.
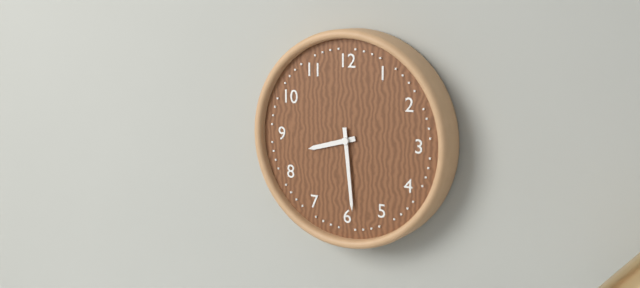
8:29
